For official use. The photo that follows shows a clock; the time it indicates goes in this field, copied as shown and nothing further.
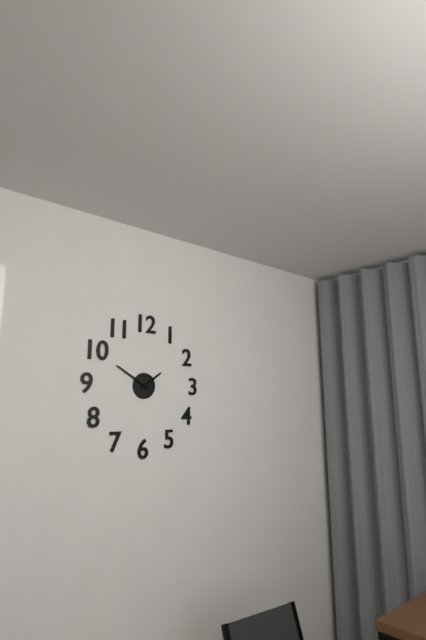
1:50
